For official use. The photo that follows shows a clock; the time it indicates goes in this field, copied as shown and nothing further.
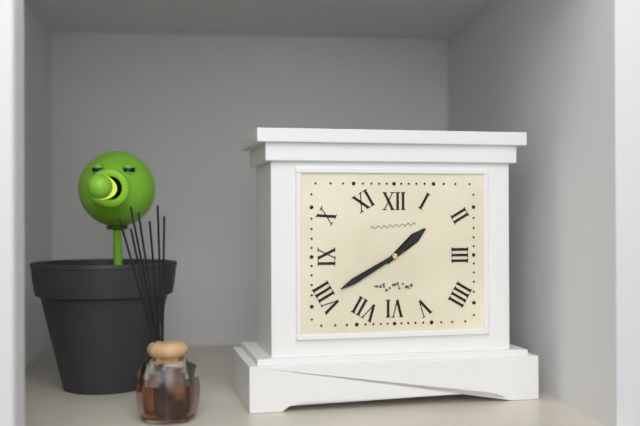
1:40
